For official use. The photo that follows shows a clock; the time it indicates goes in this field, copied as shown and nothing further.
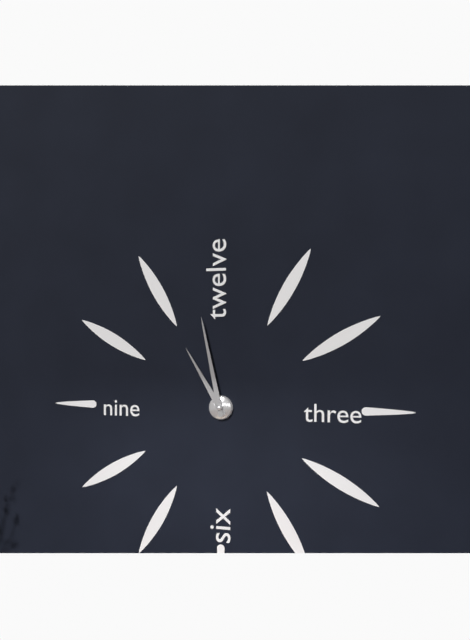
10:58
